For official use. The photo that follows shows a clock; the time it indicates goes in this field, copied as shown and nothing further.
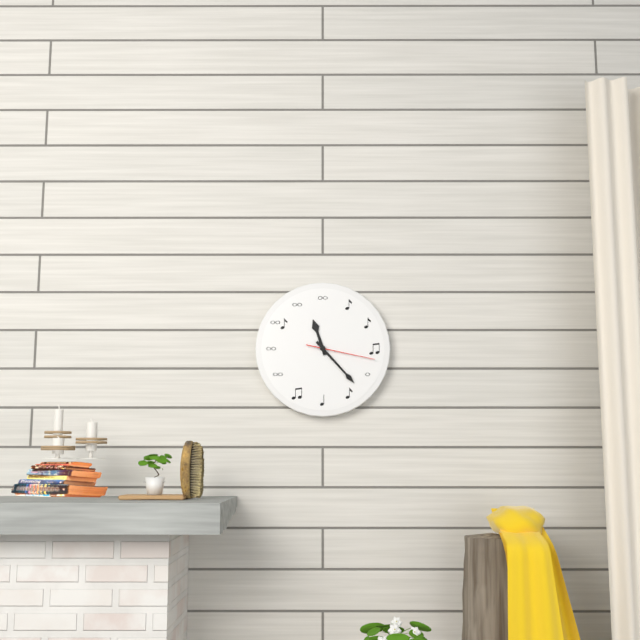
11:23:17
